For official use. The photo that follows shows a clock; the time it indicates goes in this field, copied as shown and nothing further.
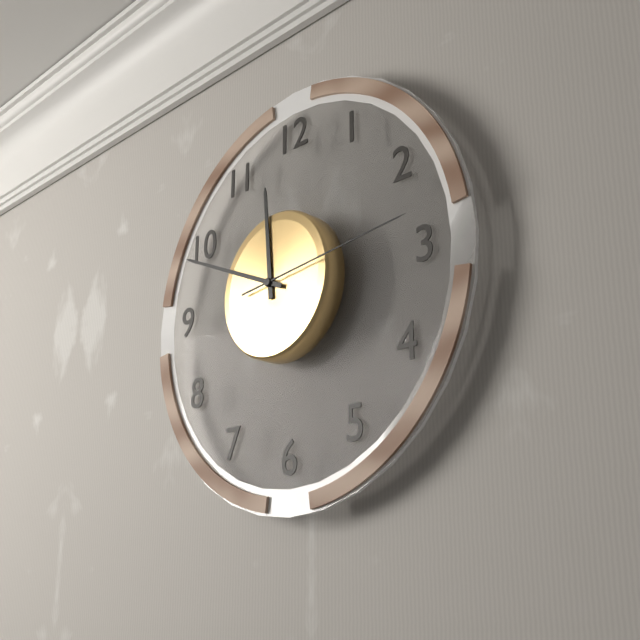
11:49:14
